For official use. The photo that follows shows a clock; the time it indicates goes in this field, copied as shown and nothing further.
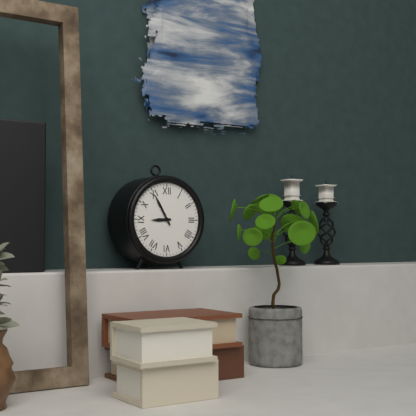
8:55
